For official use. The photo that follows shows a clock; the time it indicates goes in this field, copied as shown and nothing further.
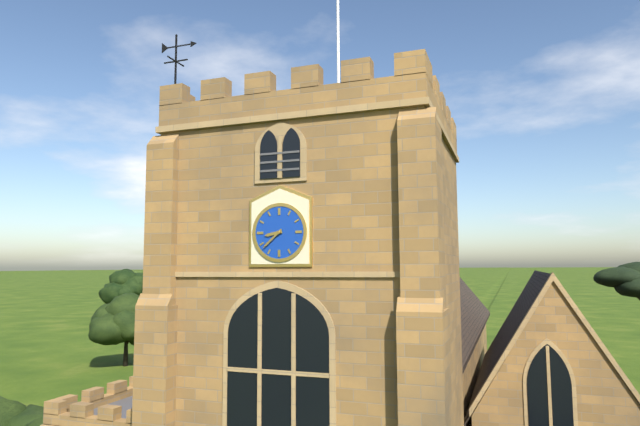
8:38
